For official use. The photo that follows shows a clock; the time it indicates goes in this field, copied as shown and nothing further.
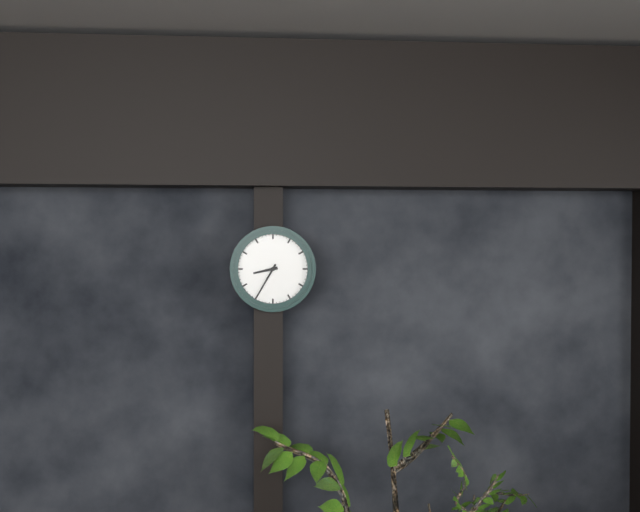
8:35
